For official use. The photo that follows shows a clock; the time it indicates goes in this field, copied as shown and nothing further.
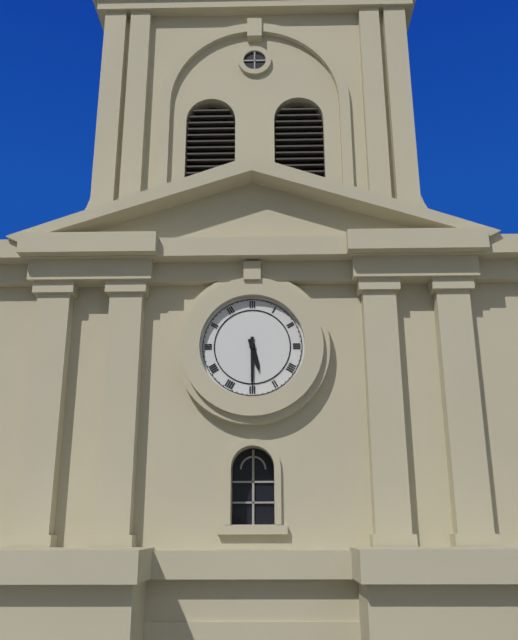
5:30
